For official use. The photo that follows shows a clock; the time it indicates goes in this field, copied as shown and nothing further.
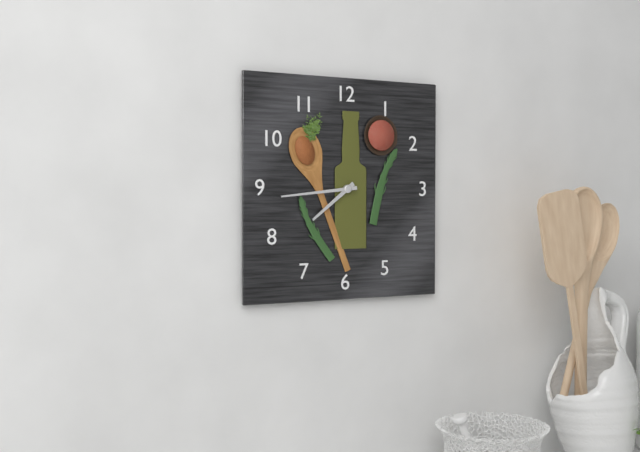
7:44
